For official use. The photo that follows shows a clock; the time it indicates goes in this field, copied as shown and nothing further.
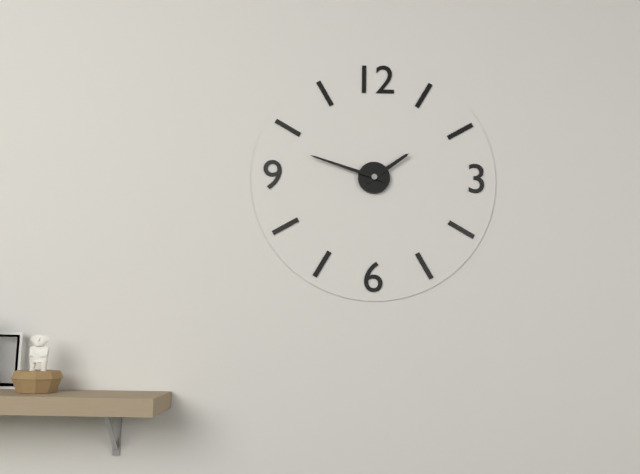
1:48
